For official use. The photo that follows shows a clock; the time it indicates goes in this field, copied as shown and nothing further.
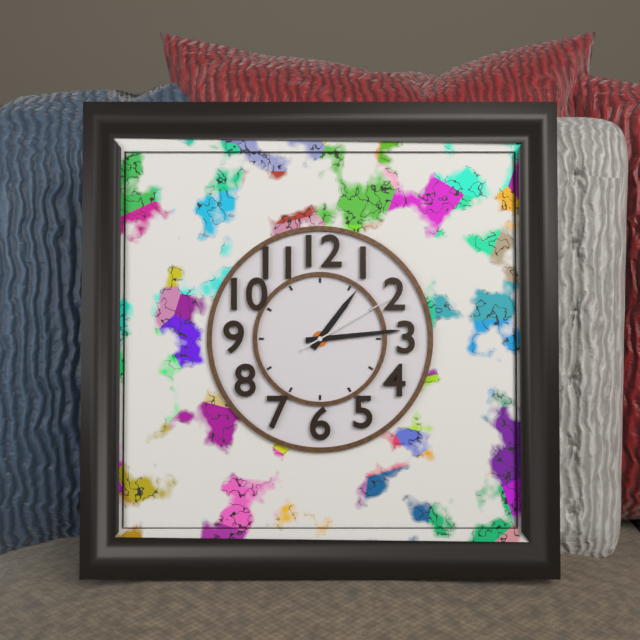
1:14:10
